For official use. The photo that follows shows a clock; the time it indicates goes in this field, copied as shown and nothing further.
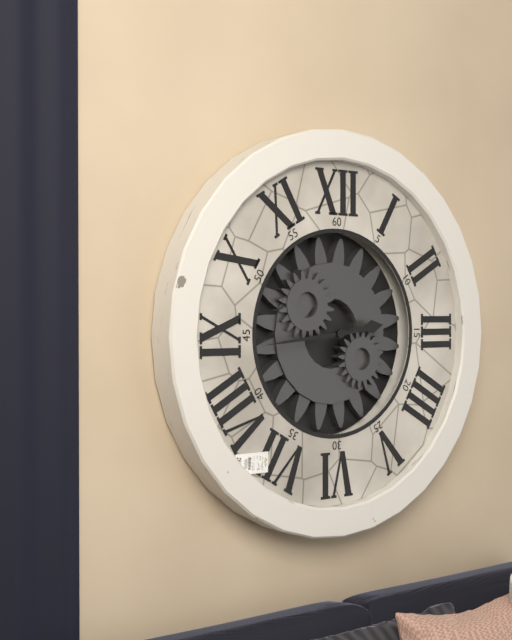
2:44
